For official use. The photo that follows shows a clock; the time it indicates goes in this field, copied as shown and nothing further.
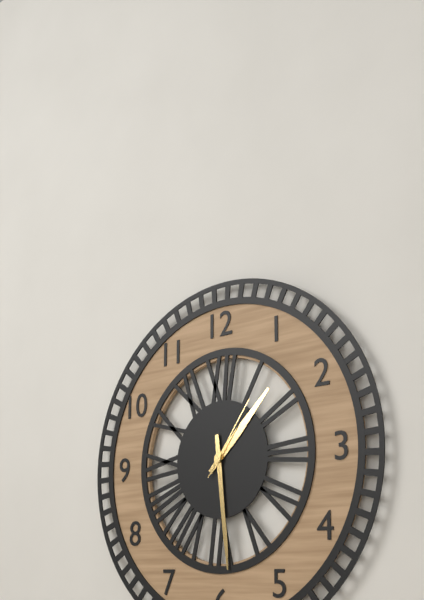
1:29:06
